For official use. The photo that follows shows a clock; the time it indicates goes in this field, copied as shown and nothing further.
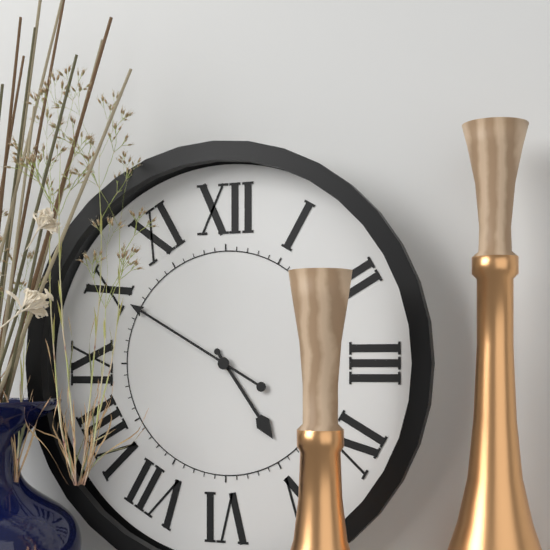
4:50
